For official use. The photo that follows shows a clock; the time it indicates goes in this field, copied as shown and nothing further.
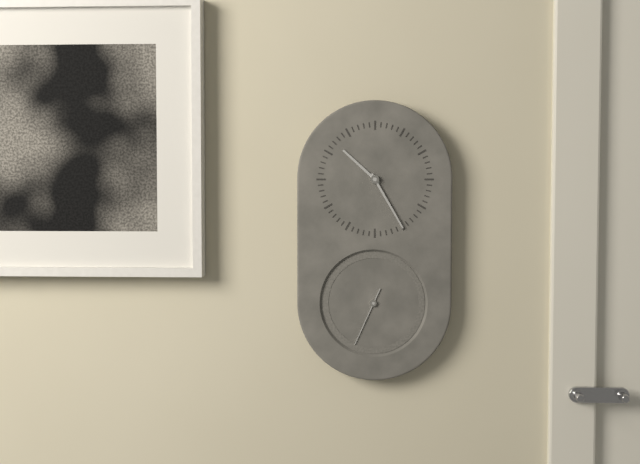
10:25:34
